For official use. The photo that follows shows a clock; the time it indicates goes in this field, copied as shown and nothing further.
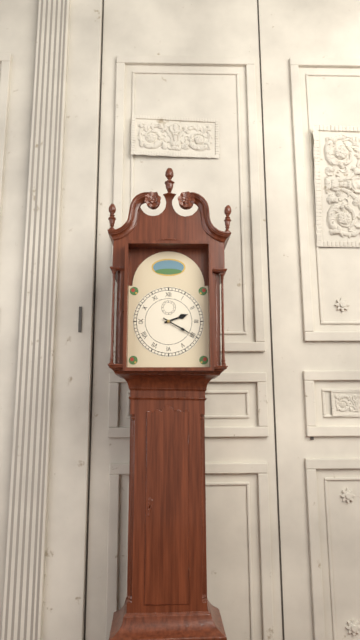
2:20
